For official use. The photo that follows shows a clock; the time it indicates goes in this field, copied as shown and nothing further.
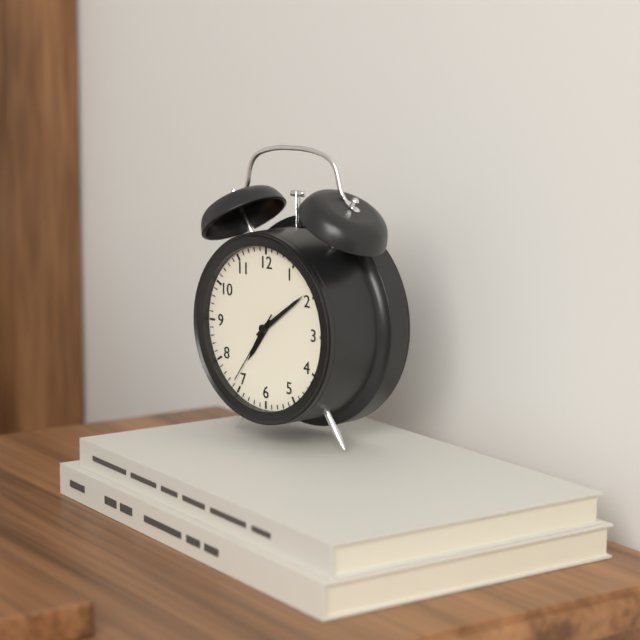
7:09:36
